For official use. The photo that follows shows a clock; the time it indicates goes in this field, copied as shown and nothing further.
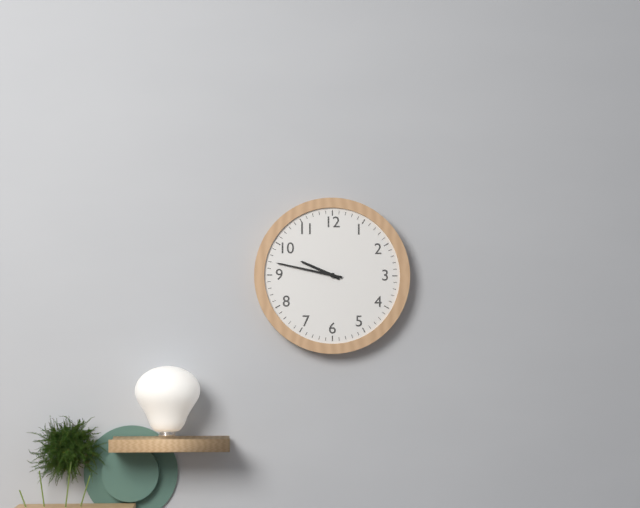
9:47
